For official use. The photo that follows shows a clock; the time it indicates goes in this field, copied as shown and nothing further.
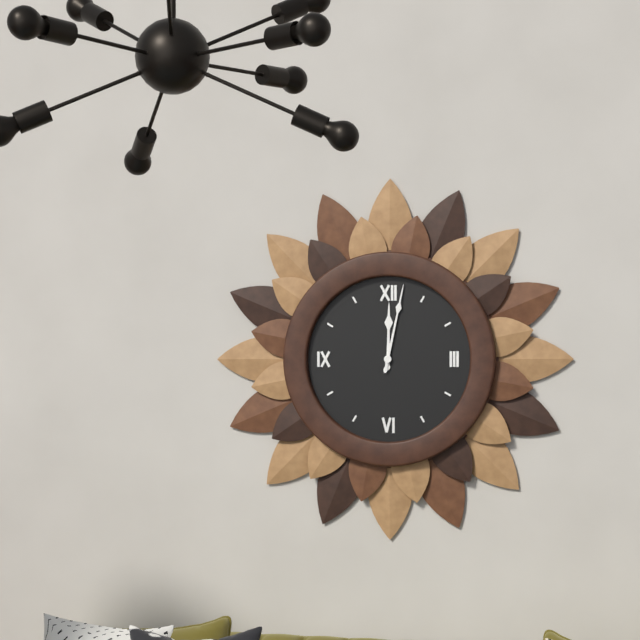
12:02
